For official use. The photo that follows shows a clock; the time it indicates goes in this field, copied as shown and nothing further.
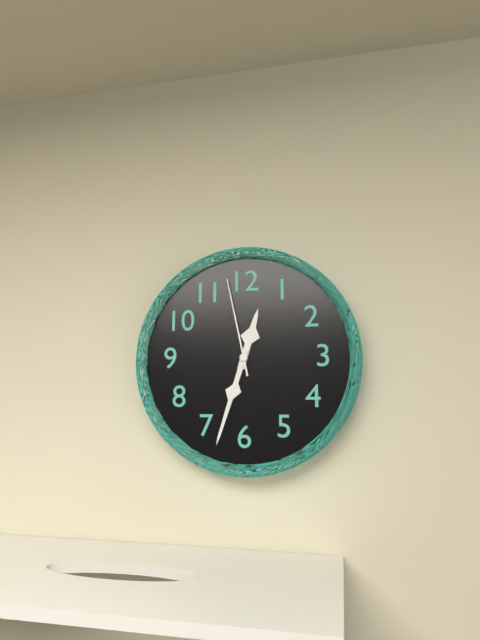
12:33:58
